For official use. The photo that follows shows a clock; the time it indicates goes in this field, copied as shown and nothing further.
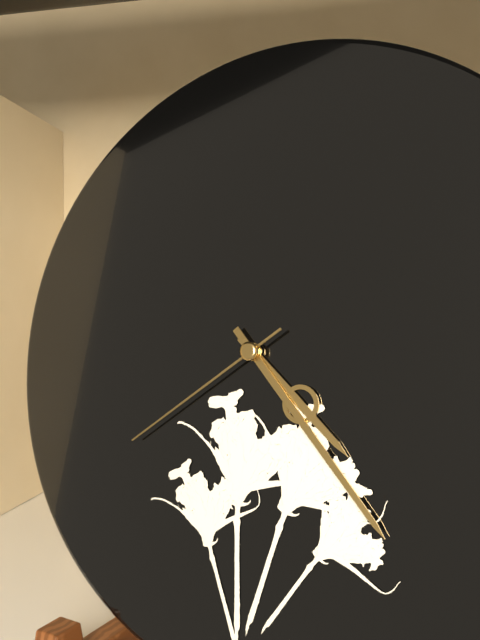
4:23:39
